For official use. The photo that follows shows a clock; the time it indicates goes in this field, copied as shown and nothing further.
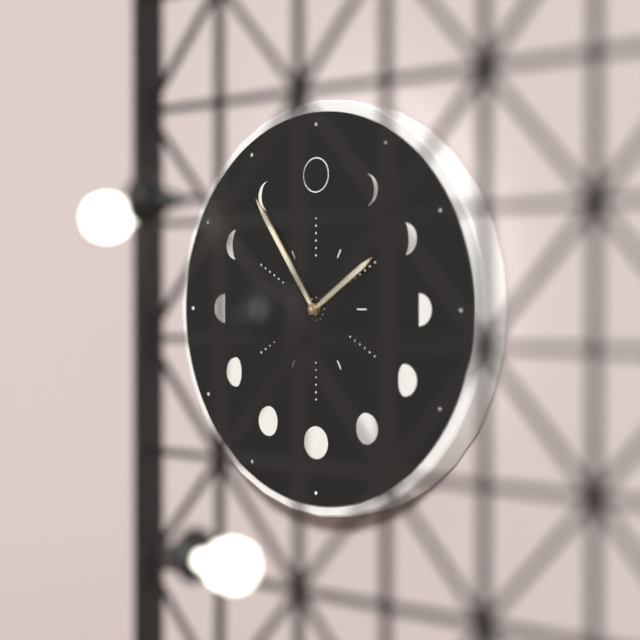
1:54
